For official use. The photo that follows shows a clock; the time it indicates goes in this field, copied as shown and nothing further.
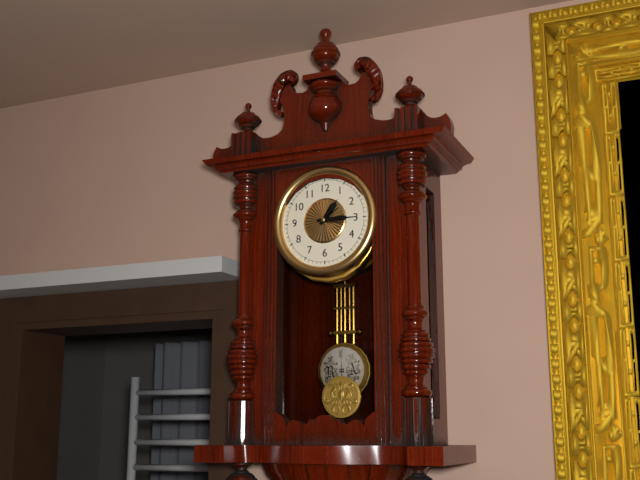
1:15
